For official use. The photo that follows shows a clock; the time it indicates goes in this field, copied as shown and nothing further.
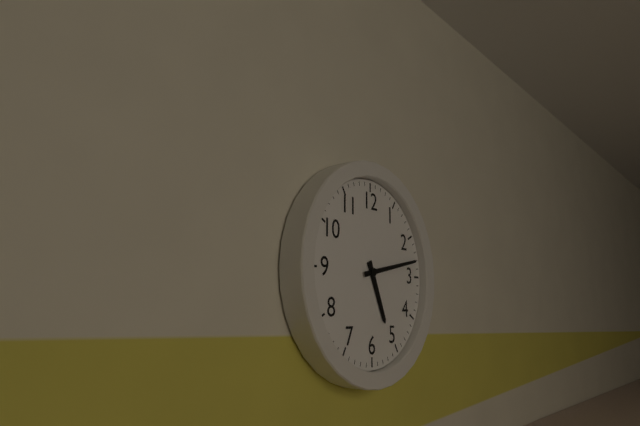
5:13
